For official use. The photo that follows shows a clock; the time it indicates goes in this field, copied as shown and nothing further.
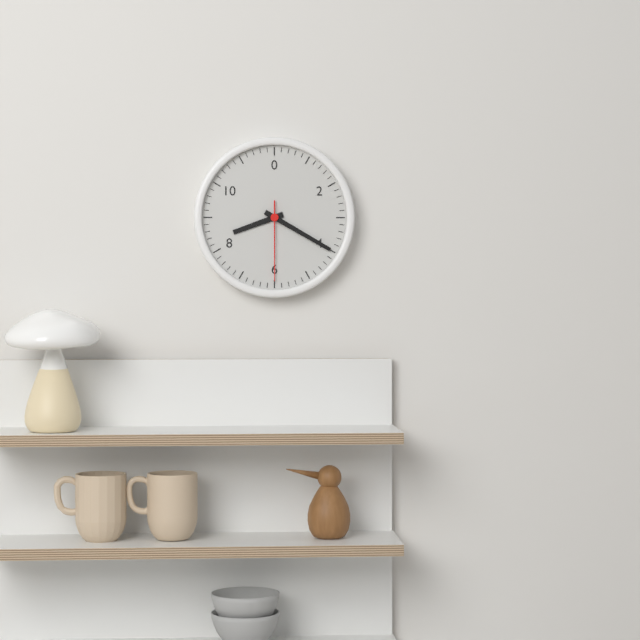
8:20:30
